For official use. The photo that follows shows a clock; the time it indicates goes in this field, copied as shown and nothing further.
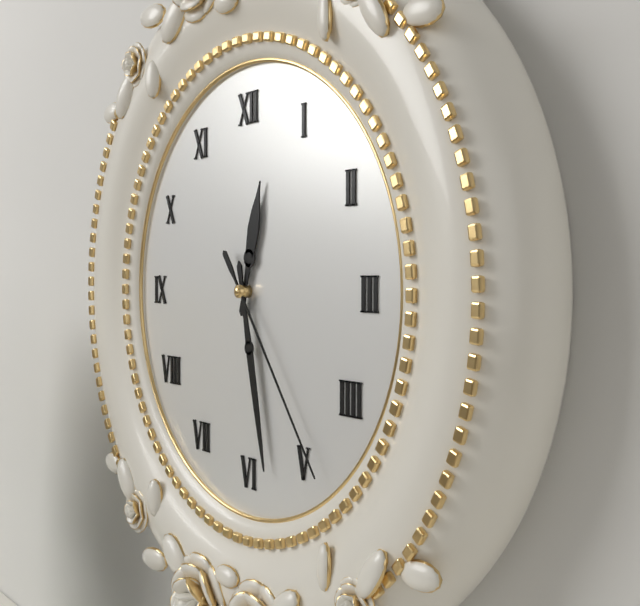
12:28:24
